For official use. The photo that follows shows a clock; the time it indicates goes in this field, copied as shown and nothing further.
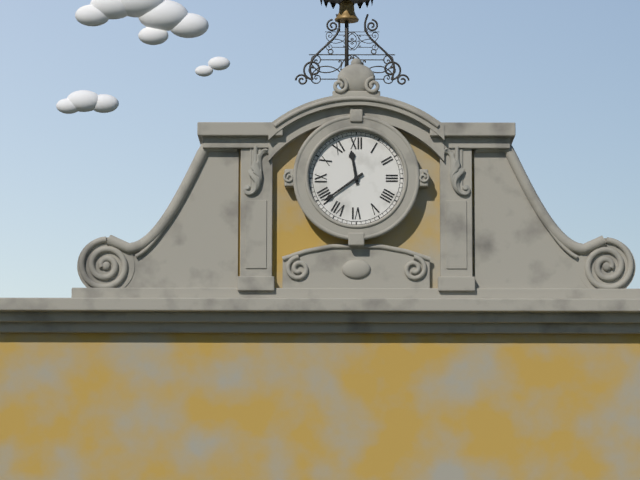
11:39
